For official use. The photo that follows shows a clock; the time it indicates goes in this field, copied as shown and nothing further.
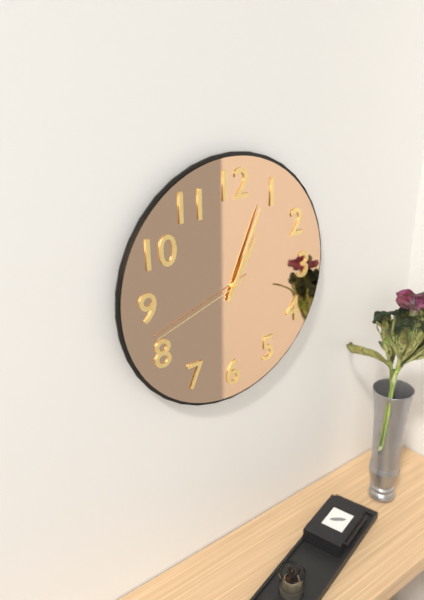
1:04:42
